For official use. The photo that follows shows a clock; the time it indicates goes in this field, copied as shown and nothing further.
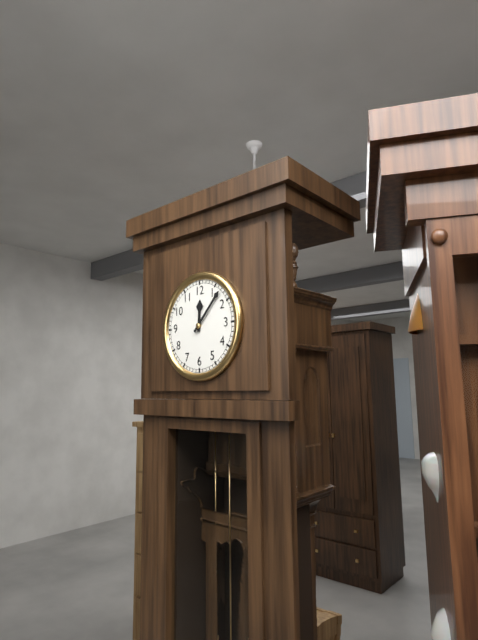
12:07
